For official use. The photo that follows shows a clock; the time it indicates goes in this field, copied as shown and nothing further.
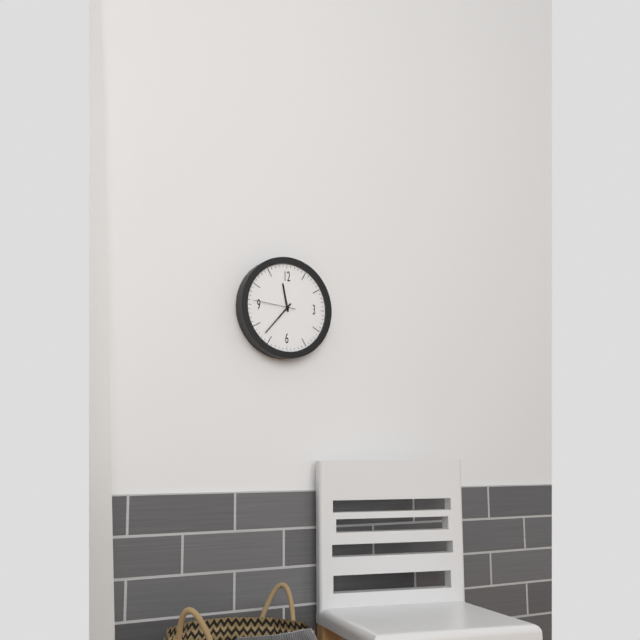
11:37
